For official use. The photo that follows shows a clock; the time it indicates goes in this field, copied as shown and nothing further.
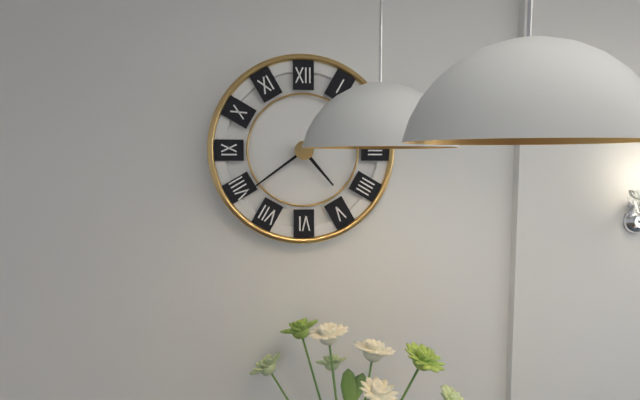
4:39
